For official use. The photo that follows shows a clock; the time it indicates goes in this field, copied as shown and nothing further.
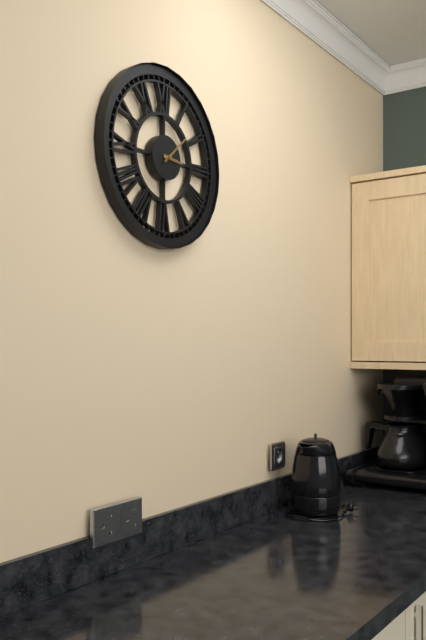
3:08
